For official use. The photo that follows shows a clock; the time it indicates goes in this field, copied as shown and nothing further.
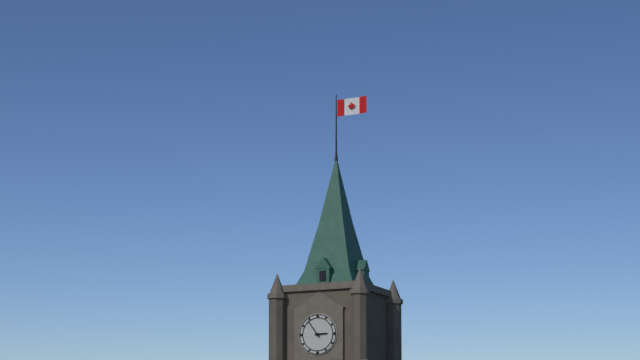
2:54
